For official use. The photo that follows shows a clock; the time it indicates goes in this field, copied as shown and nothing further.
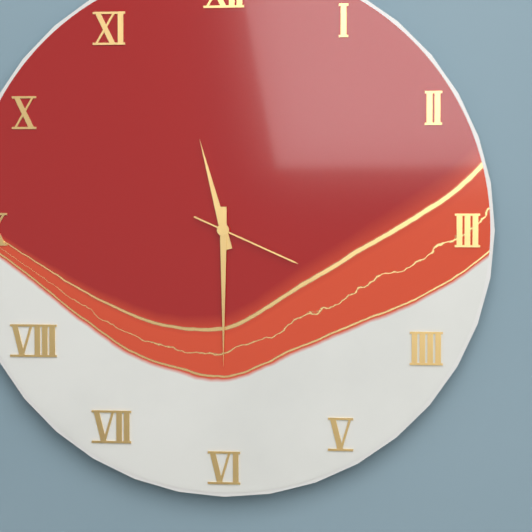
11:30:19
